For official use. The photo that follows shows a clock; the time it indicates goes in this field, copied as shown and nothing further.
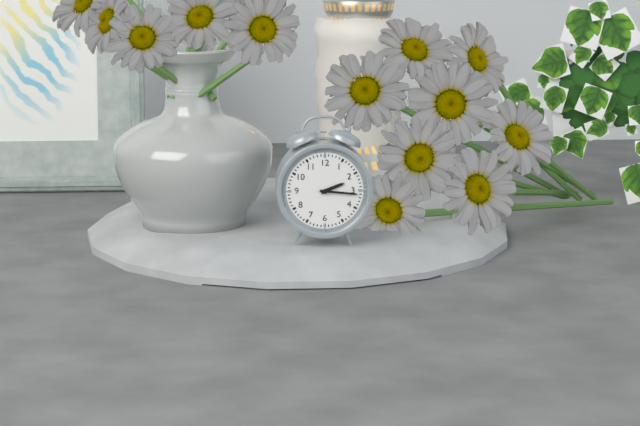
2:16
